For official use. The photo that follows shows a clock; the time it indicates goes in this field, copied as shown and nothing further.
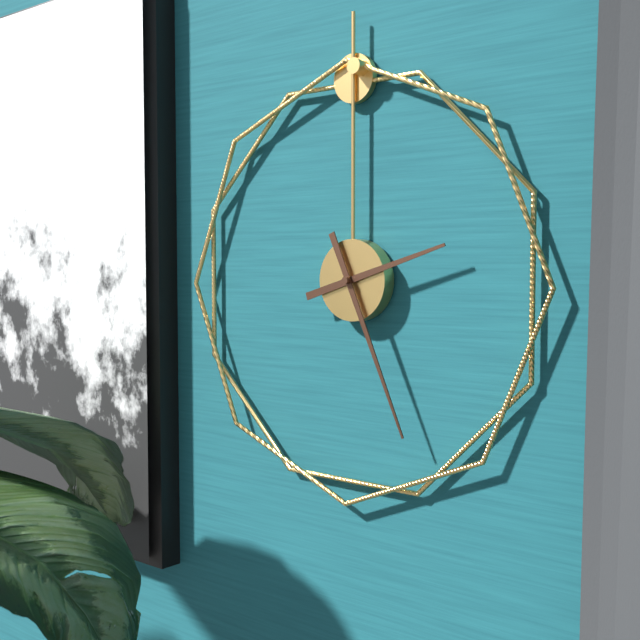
2:26
